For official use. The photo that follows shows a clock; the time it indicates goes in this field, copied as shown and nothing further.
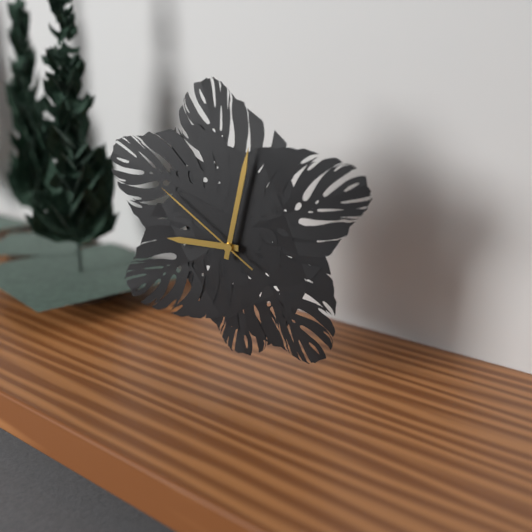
9:02:51
